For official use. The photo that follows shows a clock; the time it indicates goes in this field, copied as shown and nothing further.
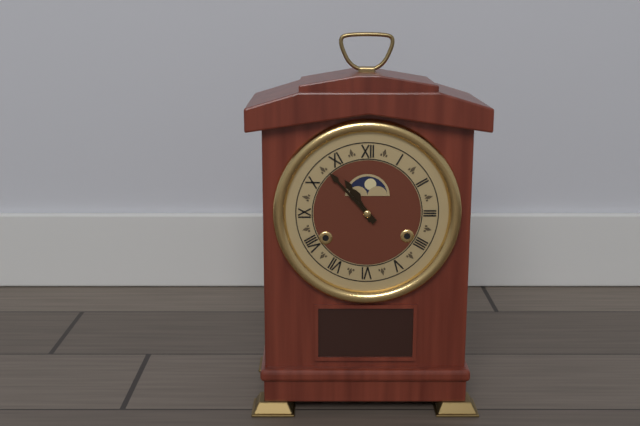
10:53
